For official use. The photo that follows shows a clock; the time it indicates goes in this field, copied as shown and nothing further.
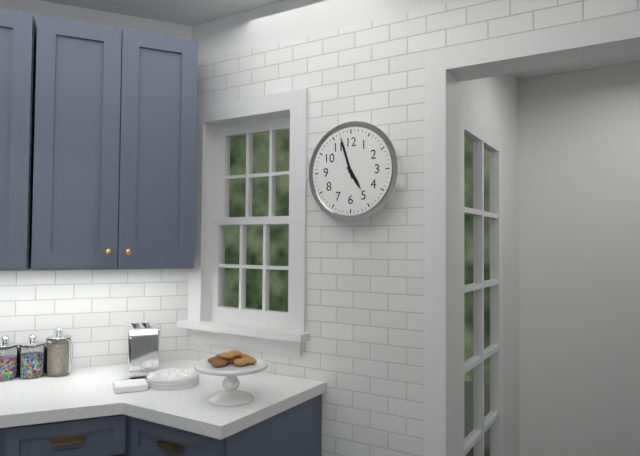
4:57
